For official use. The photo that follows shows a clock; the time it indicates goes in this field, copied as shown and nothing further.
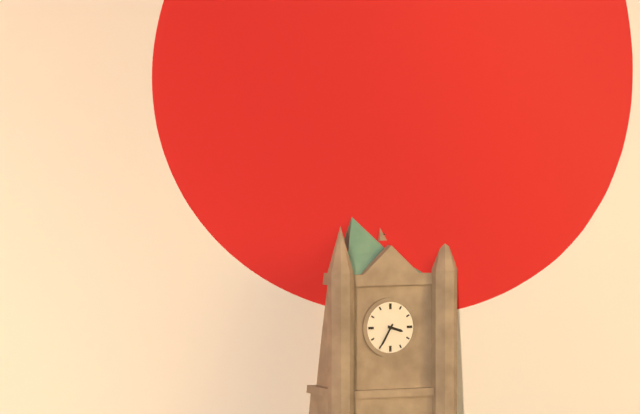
3:35
